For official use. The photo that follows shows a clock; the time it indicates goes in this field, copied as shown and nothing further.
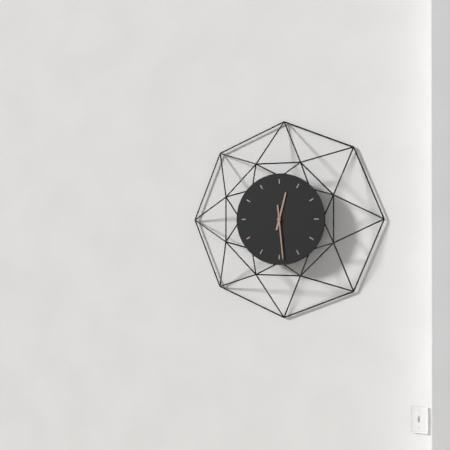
12:29
